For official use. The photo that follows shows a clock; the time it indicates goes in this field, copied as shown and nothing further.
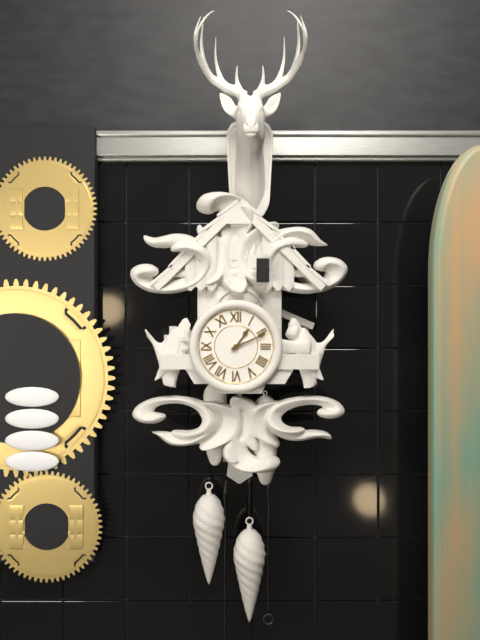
1:11
